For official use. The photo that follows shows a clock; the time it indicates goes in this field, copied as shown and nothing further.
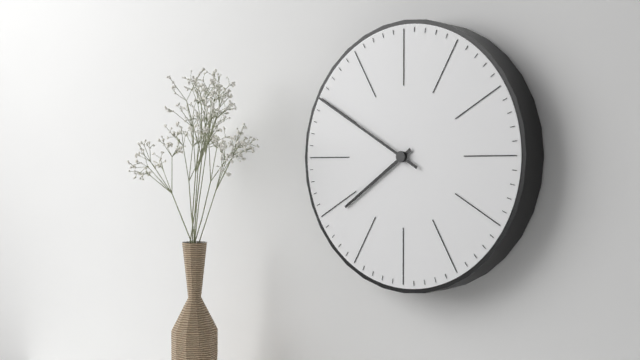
7:50
